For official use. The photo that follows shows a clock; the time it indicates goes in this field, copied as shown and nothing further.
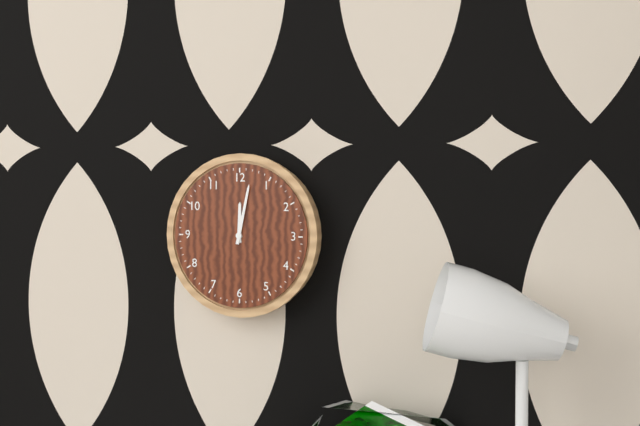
12:02
